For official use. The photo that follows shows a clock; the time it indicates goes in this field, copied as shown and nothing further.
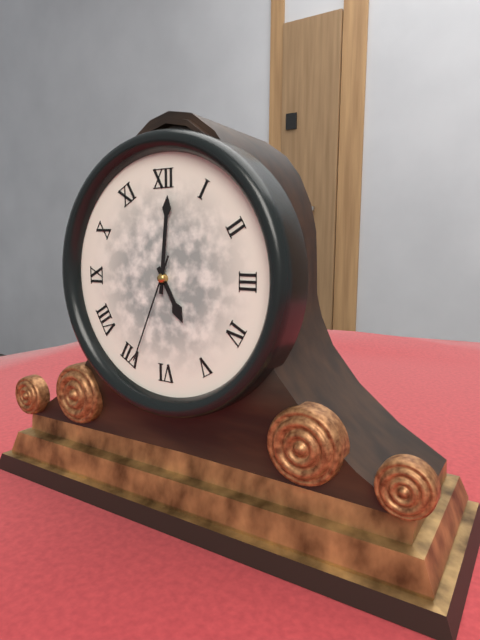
5:01:34
